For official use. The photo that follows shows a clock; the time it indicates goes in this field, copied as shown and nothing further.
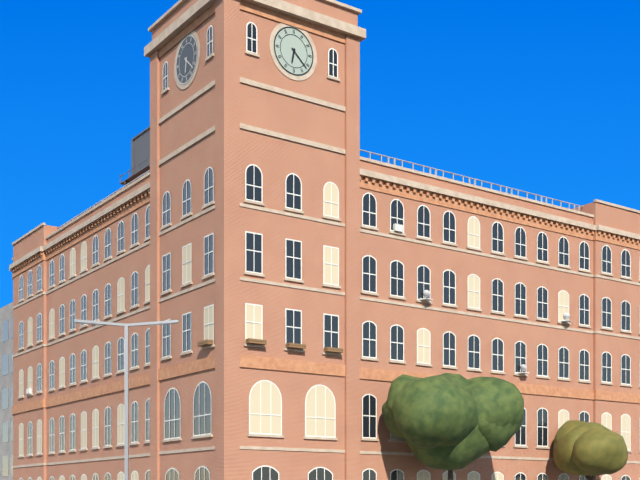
6:22
